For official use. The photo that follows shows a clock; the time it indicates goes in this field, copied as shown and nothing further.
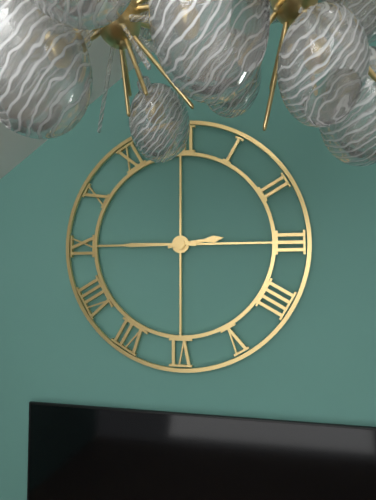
2:45
